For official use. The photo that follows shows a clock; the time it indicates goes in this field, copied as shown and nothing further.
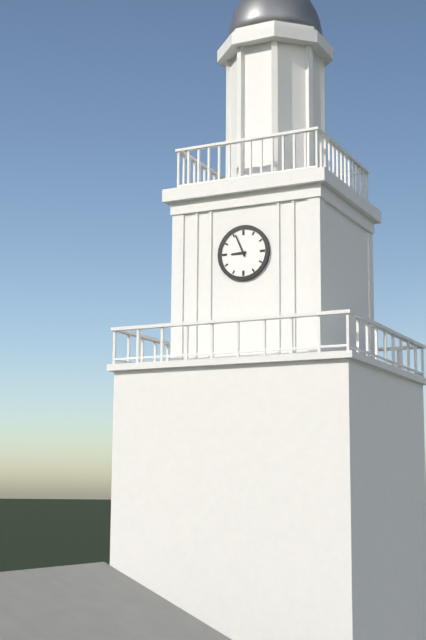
8:56
